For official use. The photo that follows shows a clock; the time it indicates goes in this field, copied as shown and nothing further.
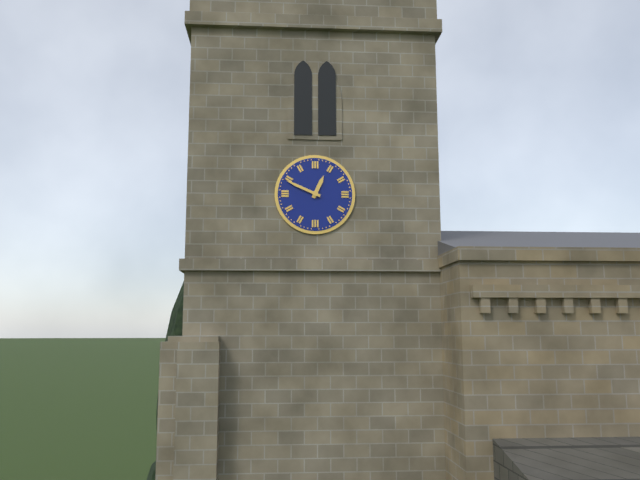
12:49
